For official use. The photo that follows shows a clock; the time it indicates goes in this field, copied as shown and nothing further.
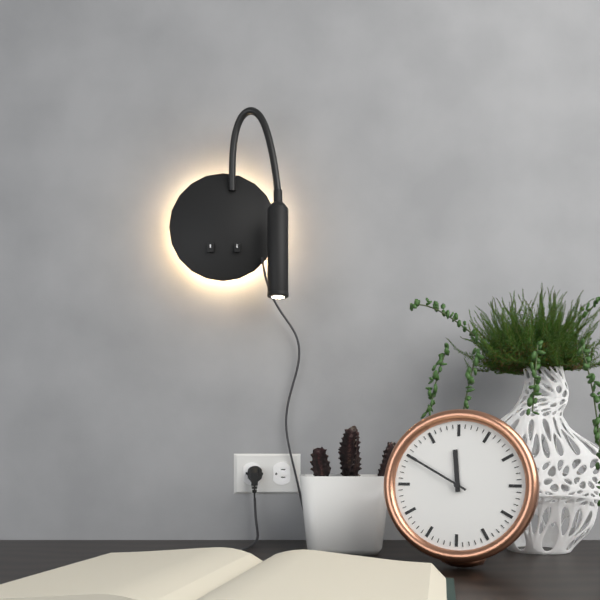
11:50
